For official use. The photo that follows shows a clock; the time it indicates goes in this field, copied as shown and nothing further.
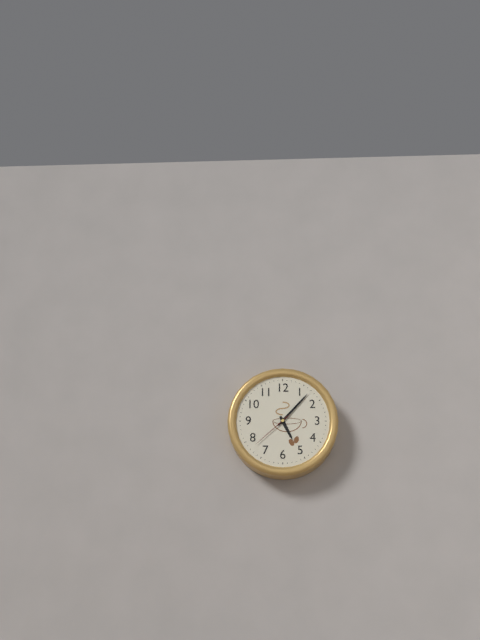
5:07
